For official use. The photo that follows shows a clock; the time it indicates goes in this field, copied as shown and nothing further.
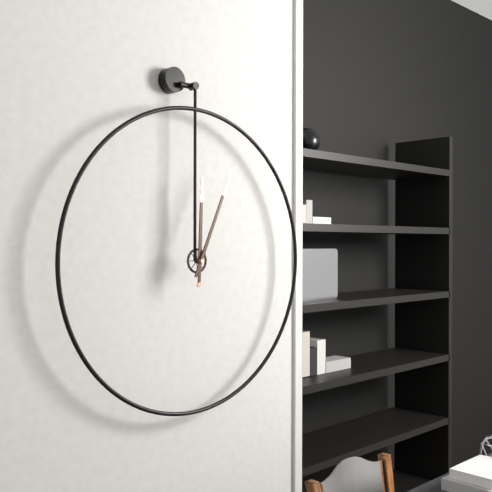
12:04
